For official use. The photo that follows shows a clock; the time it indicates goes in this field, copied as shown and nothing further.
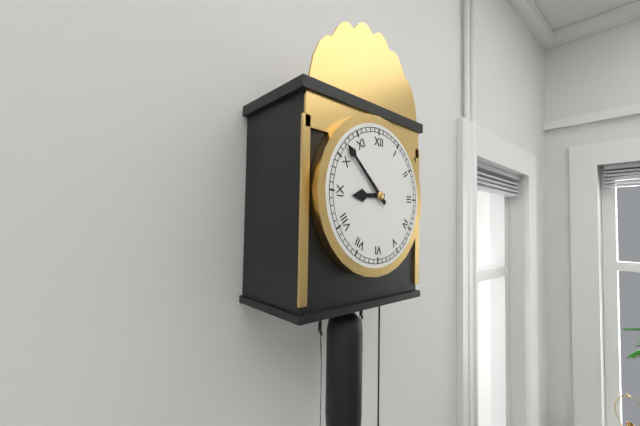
8:52
